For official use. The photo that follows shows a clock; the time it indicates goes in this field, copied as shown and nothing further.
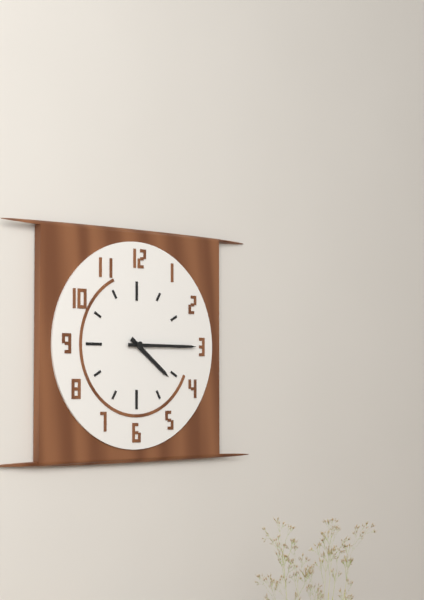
4:15
